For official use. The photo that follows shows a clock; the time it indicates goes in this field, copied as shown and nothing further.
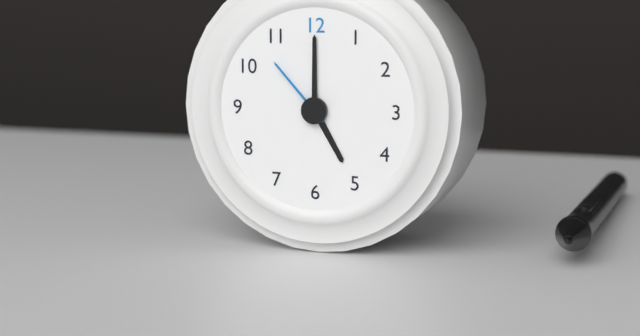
5:00:53
